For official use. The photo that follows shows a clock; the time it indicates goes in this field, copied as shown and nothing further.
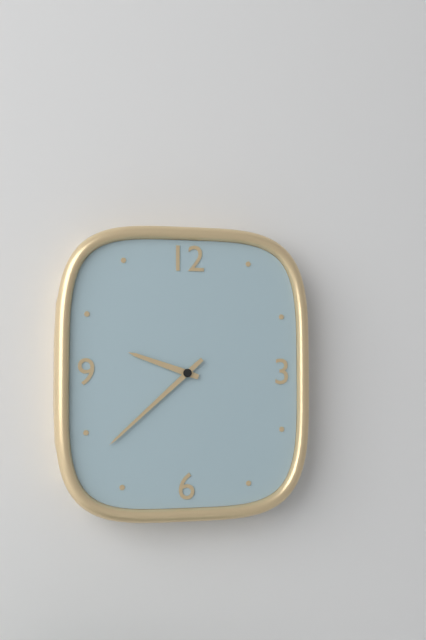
9:38
